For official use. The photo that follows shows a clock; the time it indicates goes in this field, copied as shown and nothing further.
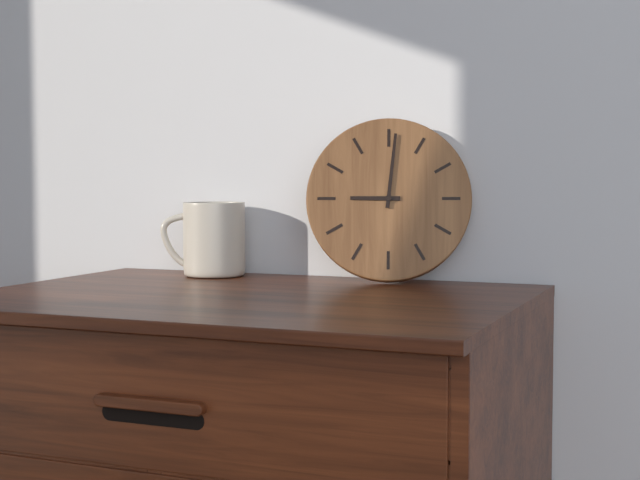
9:01
